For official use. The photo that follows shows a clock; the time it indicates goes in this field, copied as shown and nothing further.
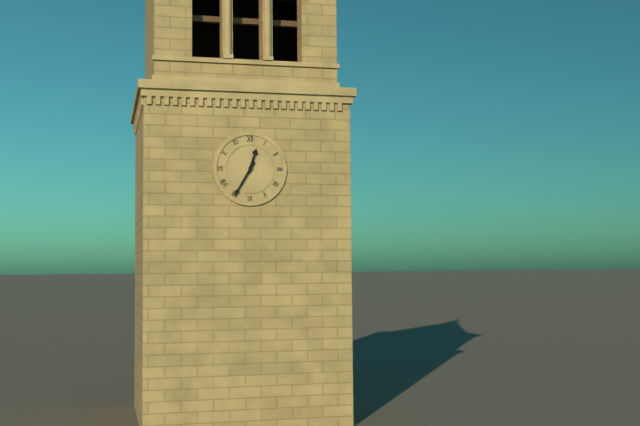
12:35
